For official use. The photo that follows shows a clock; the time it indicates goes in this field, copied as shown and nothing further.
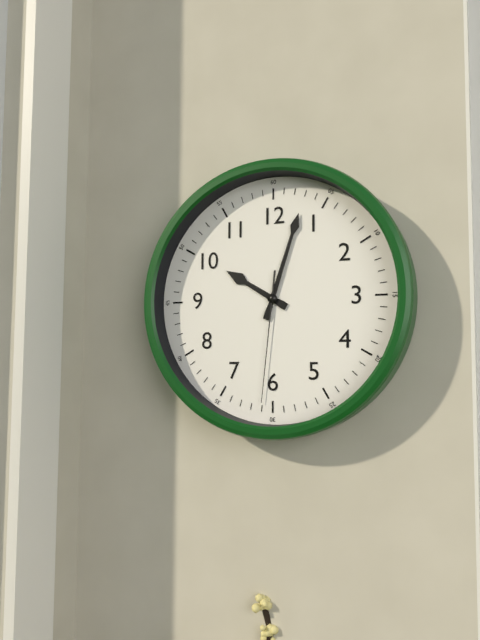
10:03:31
